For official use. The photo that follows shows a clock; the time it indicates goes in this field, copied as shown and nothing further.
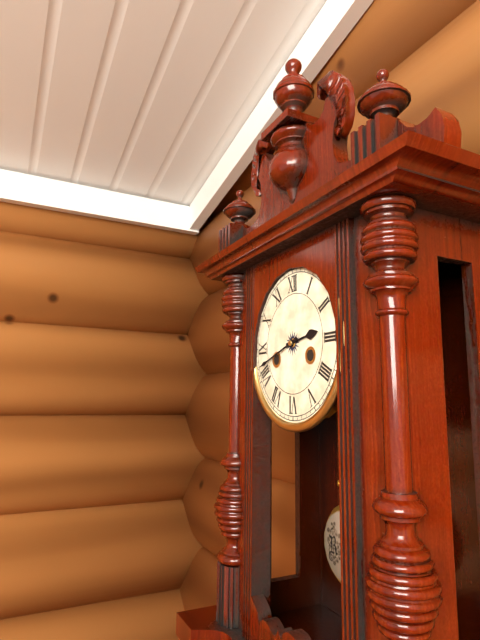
2:42
